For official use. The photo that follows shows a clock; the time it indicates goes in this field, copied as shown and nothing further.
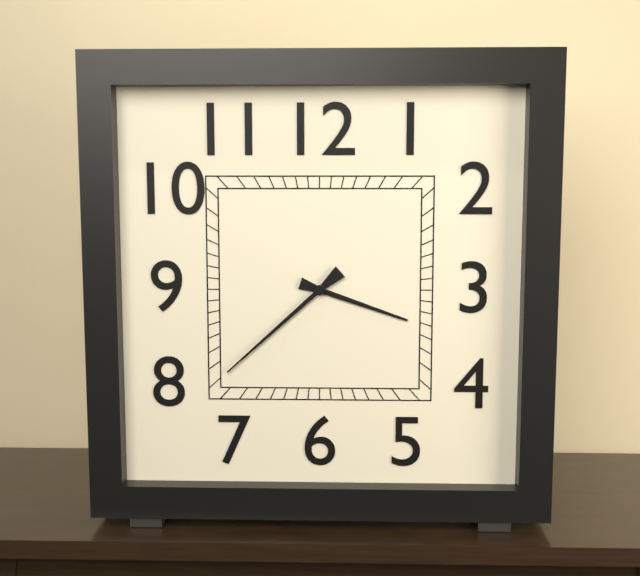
3:38
